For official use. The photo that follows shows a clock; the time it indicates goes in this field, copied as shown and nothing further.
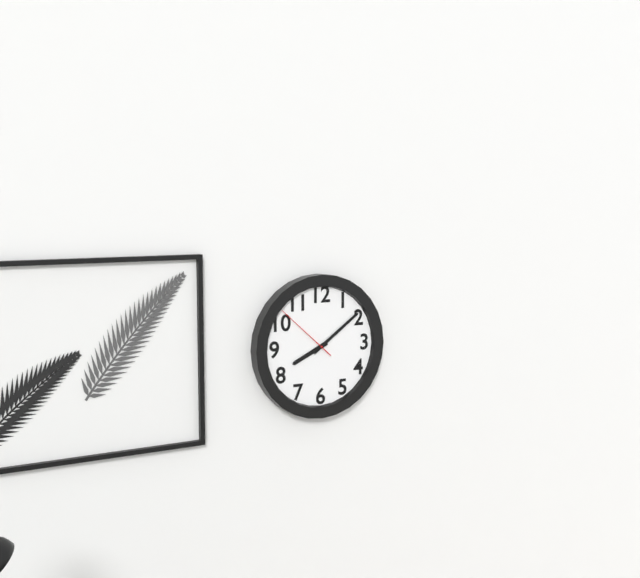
8:09:52
